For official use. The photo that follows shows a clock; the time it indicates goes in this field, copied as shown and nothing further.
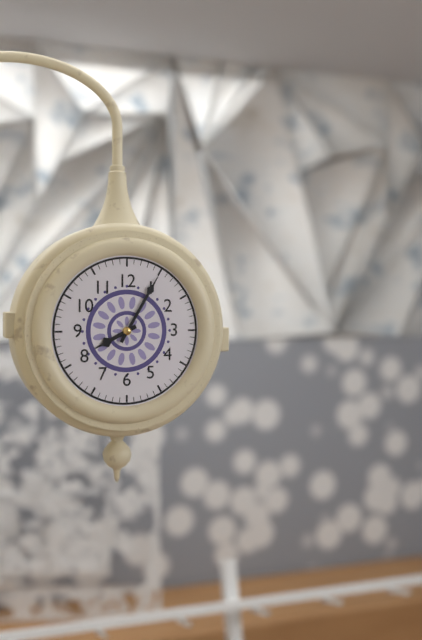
8:05
